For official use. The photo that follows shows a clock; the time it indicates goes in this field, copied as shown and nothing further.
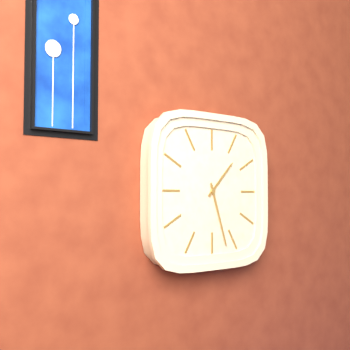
1:27
